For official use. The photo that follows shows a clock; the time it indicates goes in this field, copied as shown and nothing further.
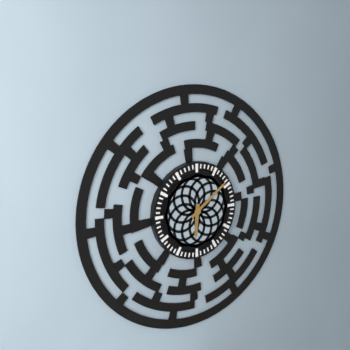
6:09
